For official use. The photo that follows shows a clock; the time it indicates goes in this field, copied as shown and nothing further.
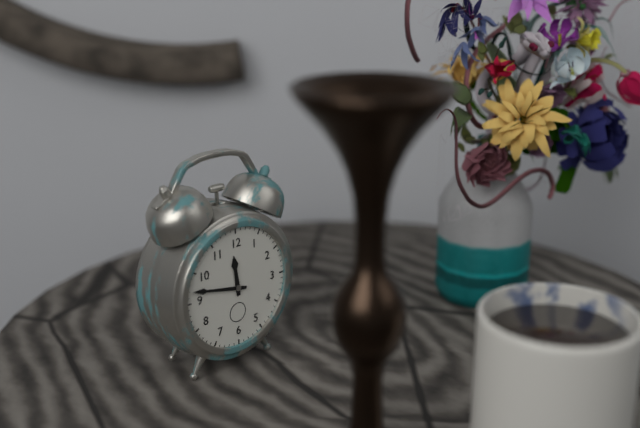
11:47
